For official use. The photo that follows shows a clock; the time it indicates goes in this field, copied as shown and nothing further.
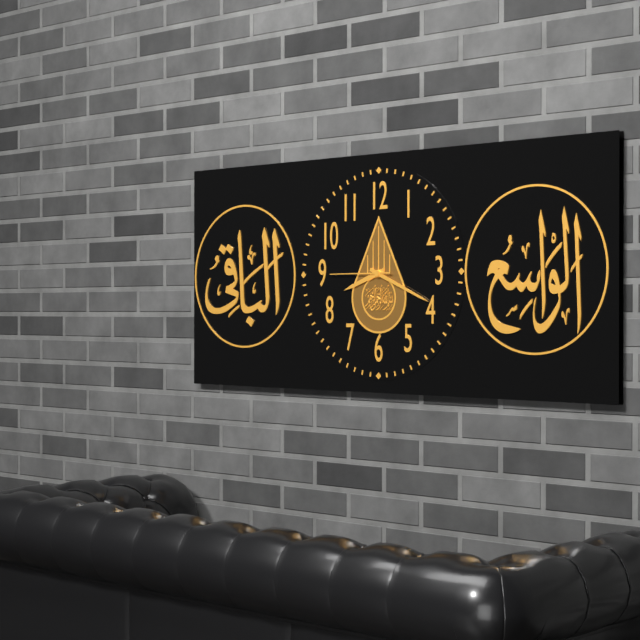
8:19:45
